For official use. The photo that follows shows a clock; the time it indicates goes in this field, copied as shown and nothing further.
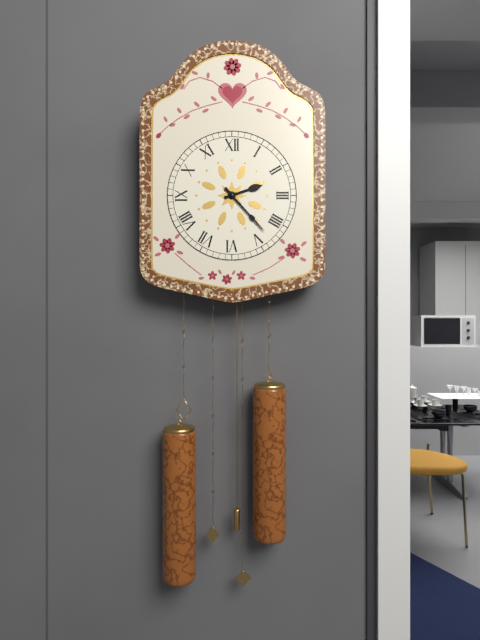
2:23
